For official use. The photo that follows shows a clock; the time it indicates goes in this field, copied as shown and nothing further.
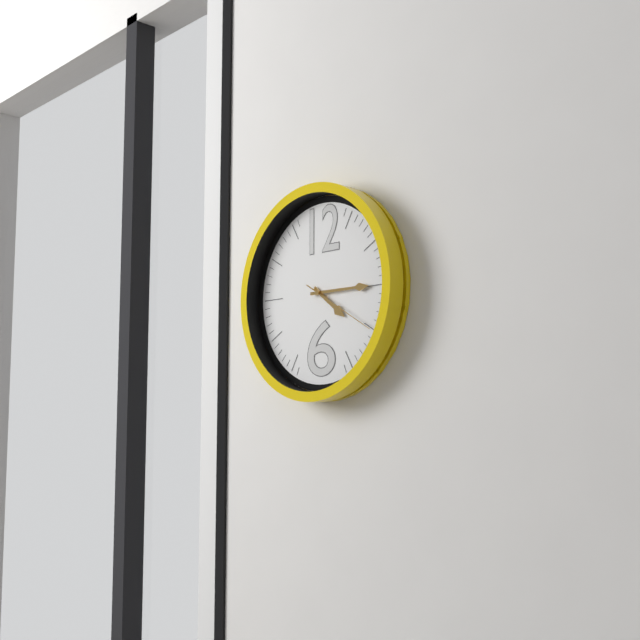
4:15:20
